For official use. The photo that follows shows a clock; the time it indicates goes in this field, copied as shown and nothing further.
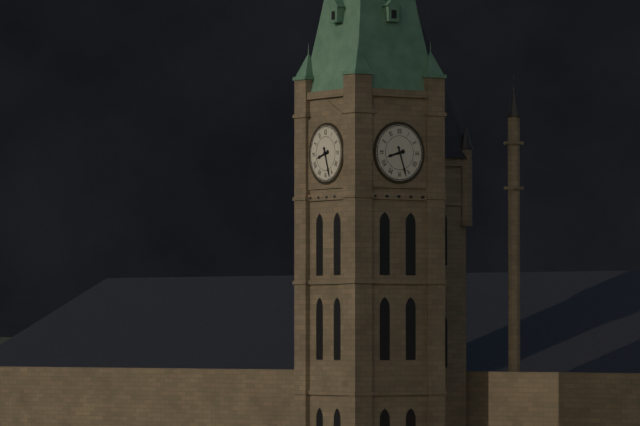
8:27
